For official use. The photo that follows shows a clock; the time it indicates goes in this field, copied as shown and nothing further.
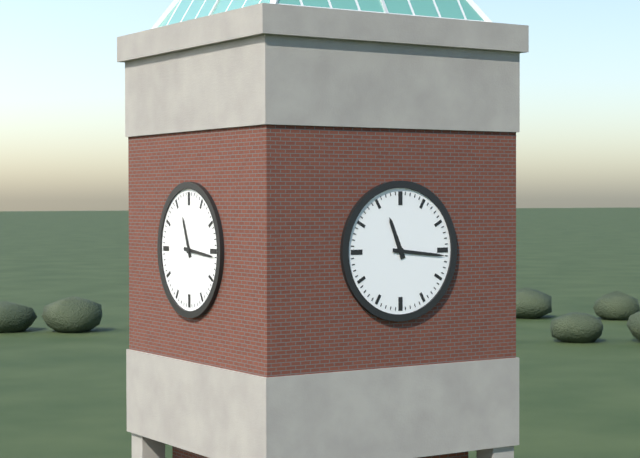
11:16
